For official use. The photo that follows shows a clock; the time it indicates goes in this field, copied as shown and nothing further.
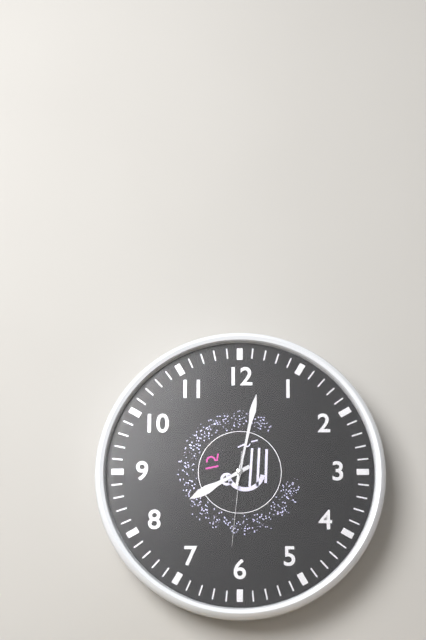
8:02:31
